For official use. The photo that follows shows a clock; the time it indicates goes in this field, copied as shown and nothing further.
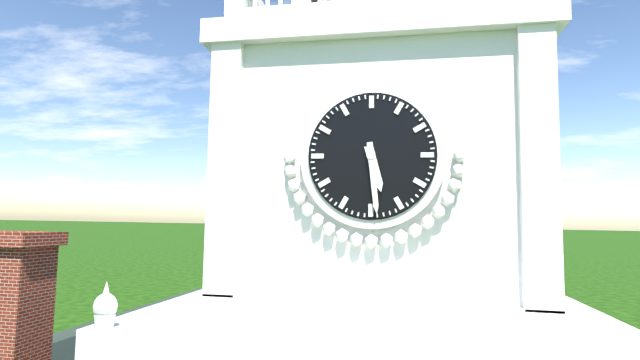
5:29
